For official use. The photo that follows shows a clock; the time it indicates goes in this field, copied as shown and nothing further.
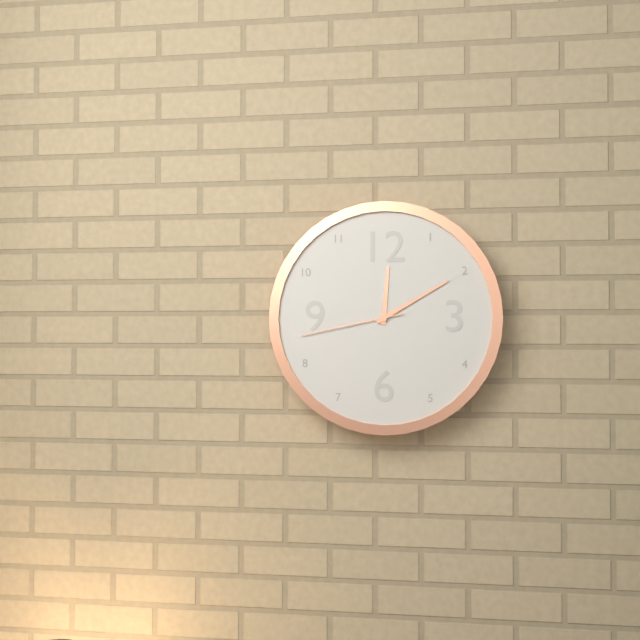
12:10:43
